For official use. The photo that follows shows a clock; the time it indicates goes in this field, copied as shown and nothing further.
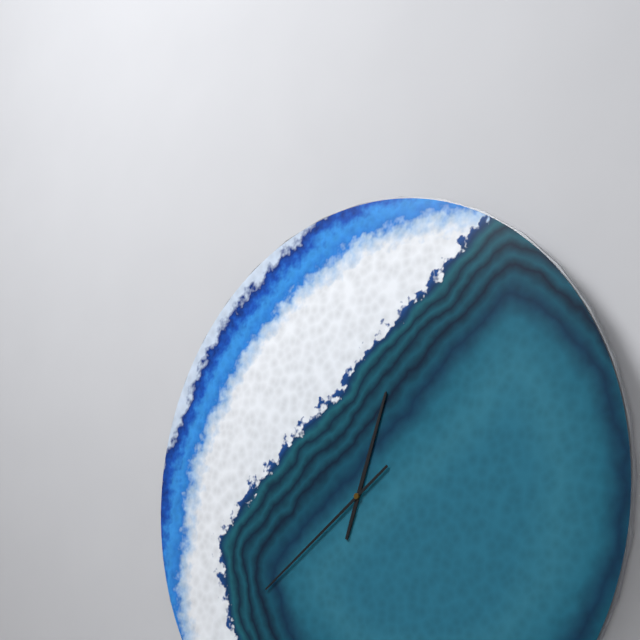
12:39
